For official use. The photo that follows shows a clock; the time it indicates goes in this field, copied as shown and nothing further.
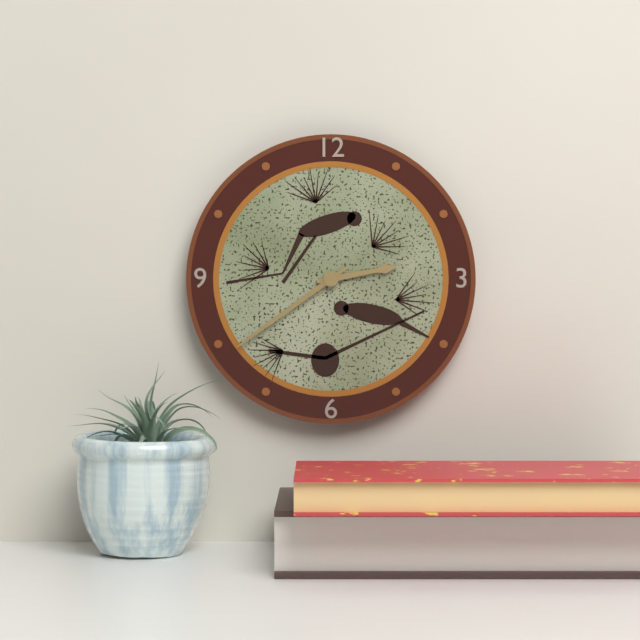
2:39
